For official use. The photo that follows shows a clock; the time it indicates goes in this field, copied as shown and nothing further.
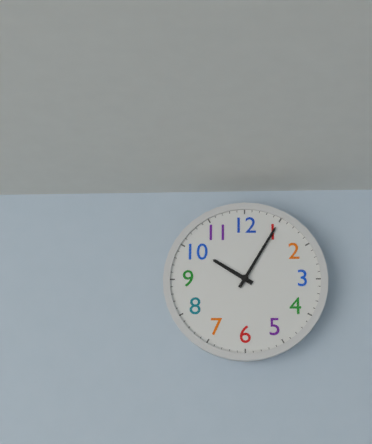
10:05
